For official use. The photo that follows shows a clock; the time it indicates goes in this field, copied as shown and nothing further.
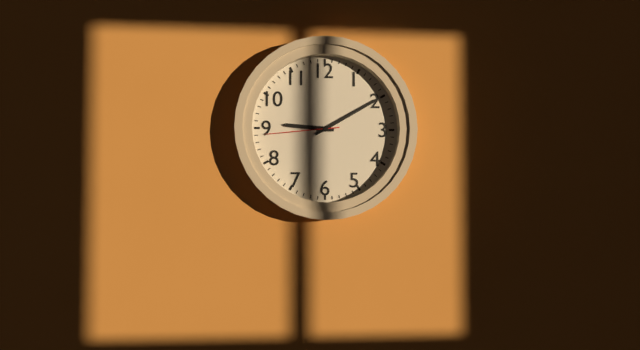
9:10:44
